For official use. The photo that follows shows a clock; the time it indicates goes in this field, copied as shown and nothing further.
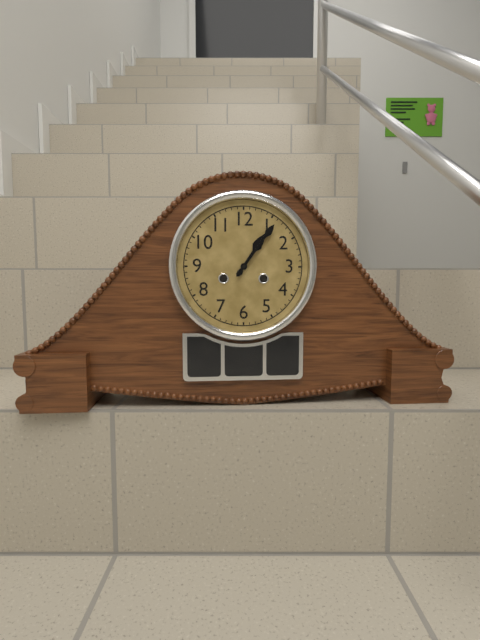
1:06
